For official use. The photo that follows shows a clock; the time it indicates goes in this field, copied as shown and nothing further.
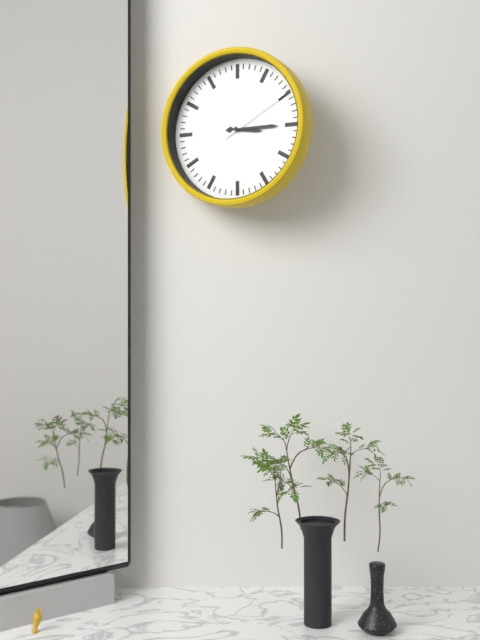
3:15:10
